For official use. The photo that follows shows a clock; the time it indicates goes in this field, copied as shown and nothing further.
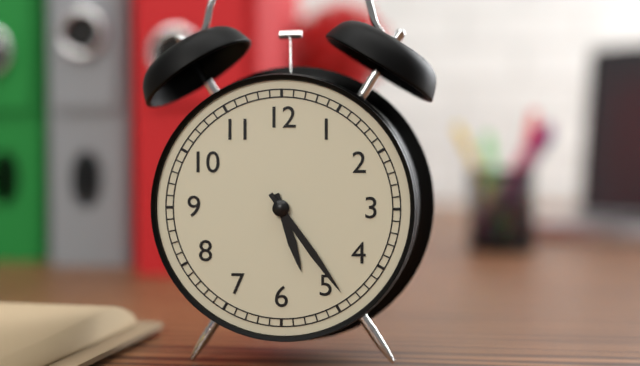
5:24
